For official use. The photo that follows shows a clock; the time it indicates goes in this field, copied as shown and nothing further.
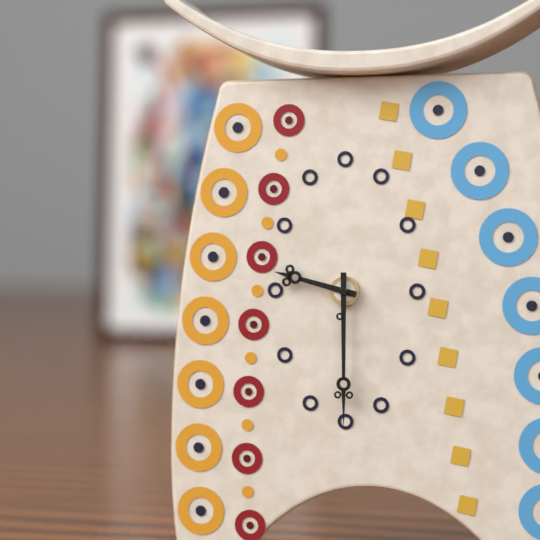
9:30
